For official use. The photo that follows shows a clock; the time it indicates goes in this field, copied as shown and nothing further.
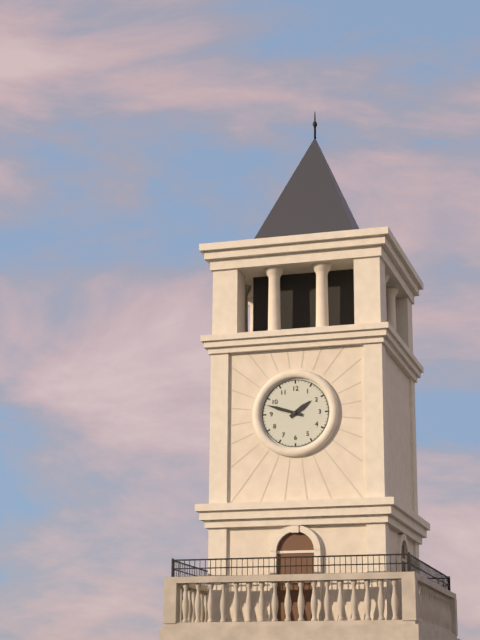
1:48
